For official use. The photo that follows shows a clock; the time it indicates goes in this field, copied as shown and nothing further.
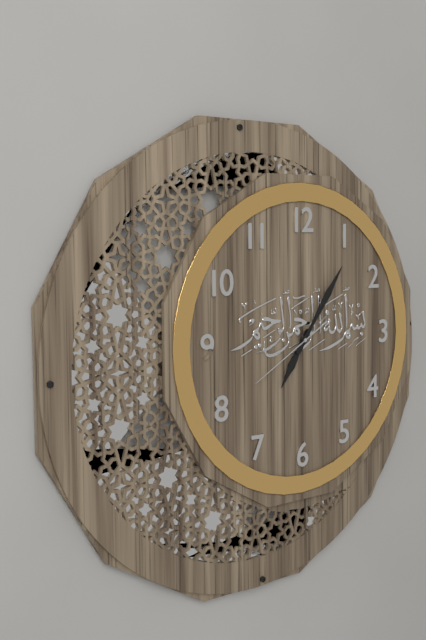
7:06:40
